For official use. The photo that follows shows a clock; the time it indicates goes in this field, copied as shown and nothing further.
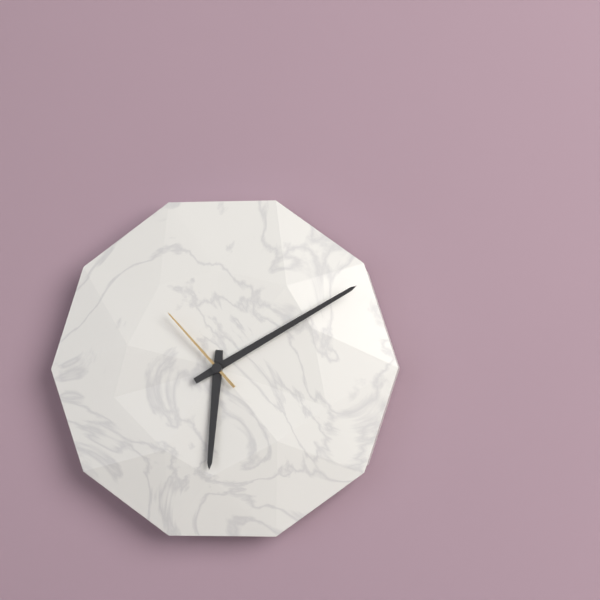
6:10:53
